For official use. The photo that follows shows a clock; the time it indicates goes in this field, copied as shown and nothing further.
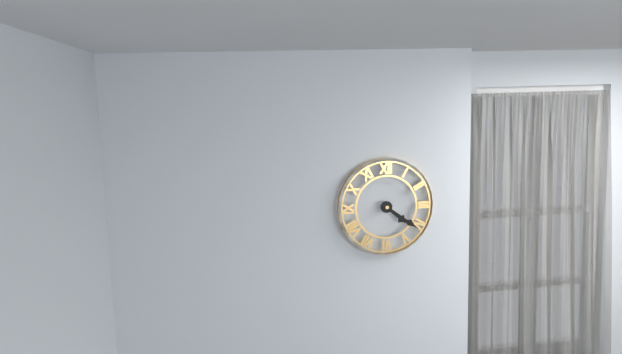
4:21
